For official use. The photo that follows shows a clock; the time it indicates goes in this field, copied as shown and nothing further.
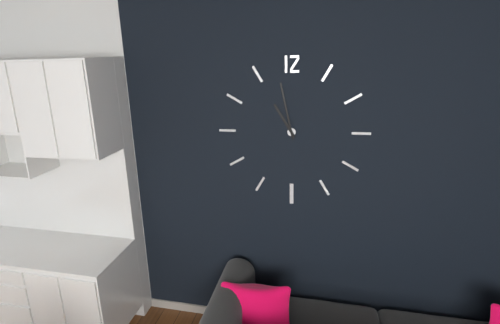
10:58
